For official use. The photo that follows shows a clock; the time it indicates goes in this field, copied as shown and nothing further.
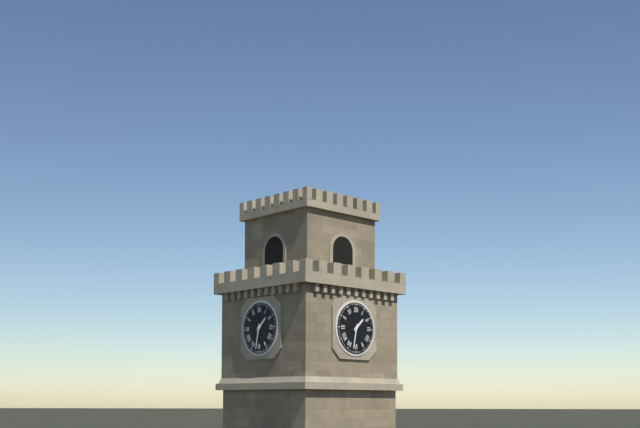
1:32
